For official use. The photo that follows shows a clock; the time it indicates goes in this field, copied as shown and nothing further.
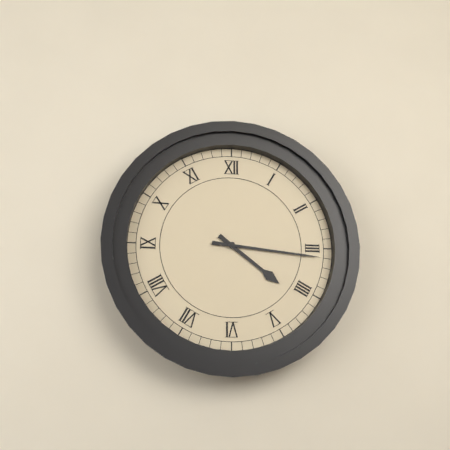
4:16
